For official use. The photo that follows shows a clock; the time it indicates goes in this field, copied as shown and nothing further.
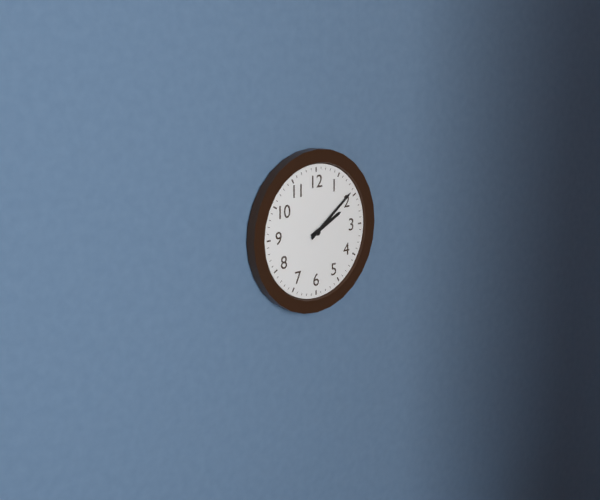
2:09
